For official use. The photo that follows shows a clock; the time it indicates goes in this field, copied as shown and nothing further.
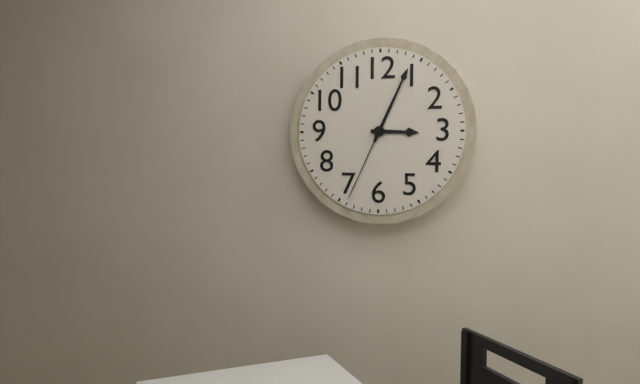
3:04:34
